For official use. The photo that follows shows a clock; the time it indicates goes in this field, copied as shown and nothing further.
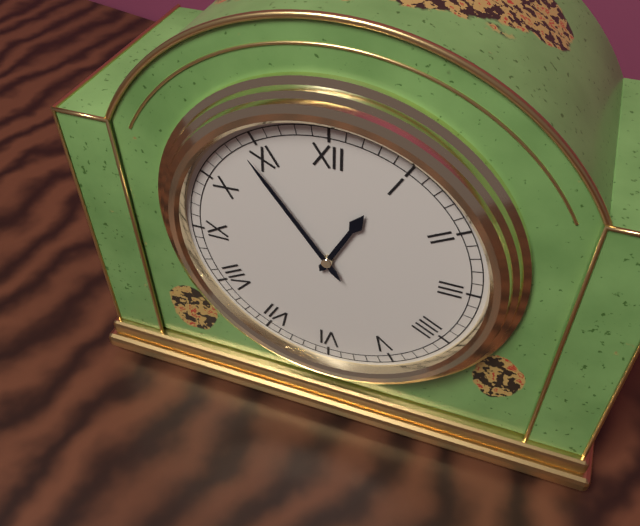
12:54
